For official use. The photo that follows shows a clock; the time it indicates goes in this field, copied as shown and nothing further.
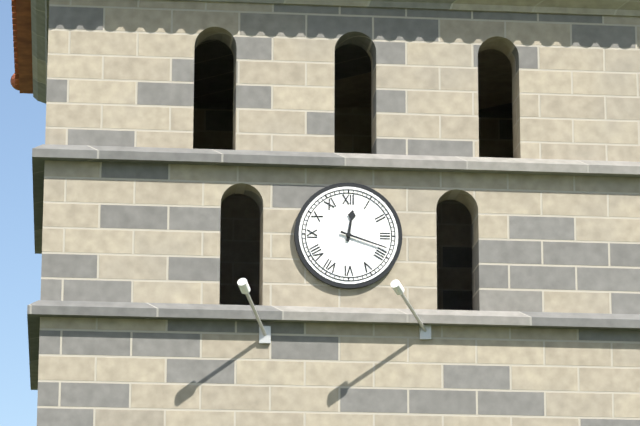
12:18
